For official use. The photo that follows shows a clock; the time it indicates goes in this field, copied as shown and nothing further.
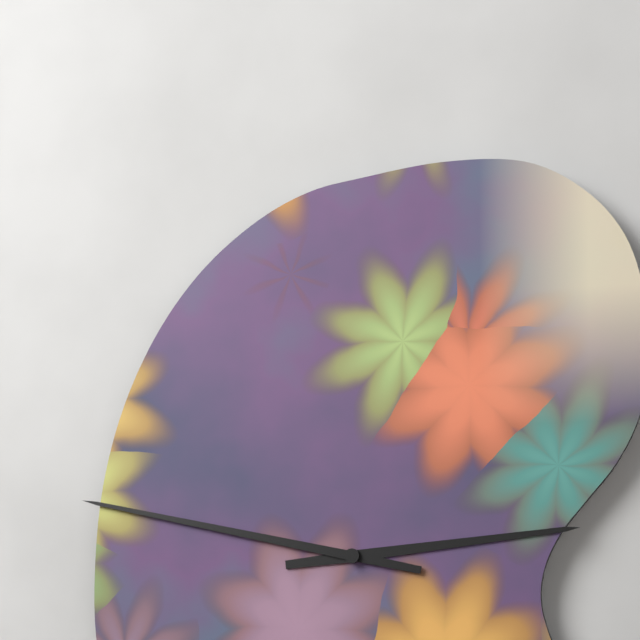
2:47
